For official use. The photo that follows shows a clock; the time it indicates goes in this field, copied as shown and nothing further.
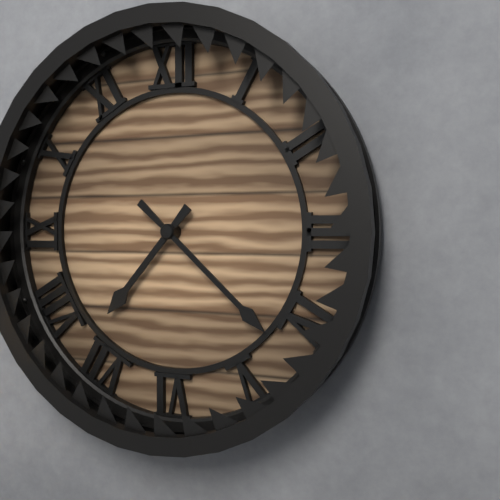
7:22
